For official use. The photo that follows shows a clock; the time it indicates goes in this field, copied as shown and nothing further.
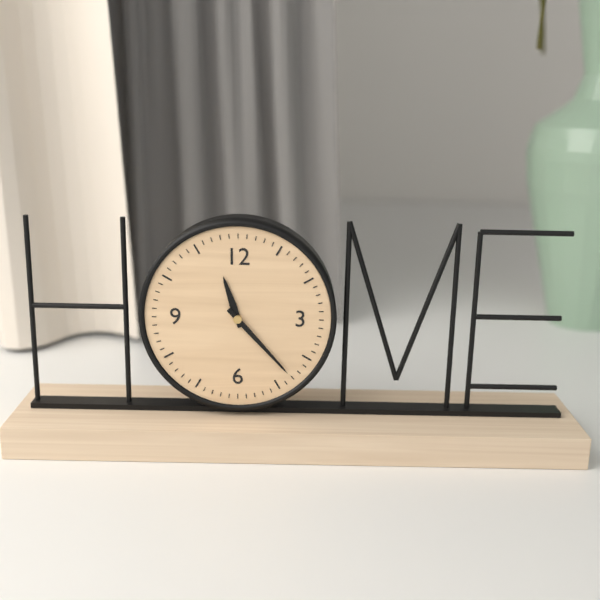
11:23
